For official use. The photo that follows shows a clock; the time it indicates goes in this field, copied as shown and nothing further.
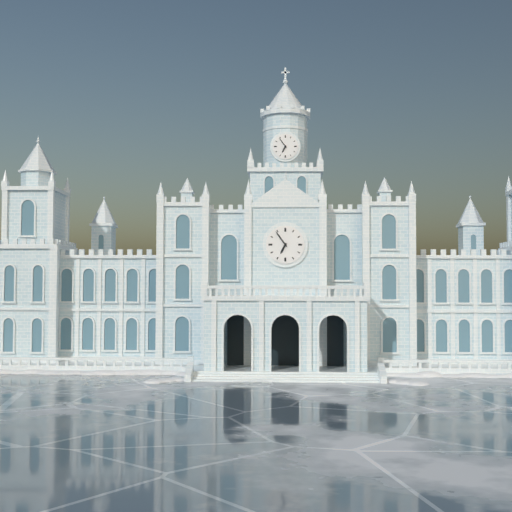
6:54
